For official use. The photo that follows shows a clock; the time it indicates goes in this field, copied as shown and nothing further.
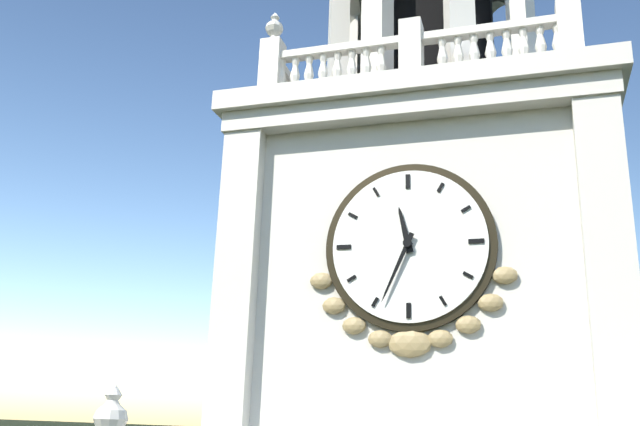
11:34
